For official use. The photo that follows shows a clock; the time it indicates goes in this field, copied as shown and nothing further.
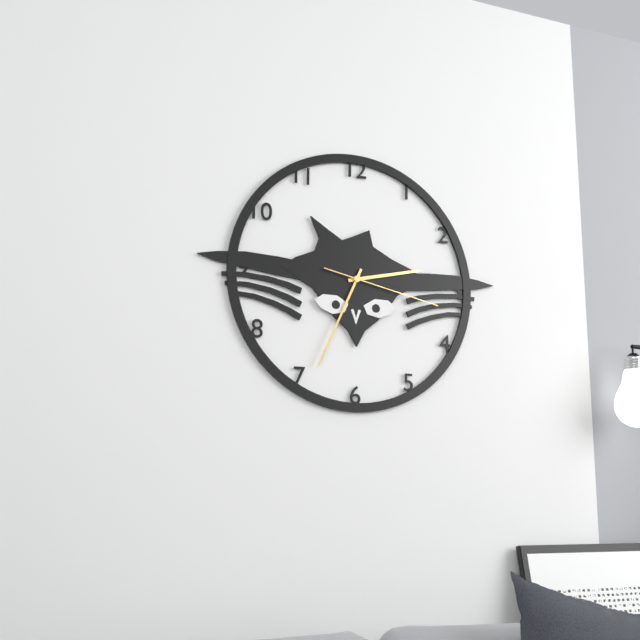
2:34:17
